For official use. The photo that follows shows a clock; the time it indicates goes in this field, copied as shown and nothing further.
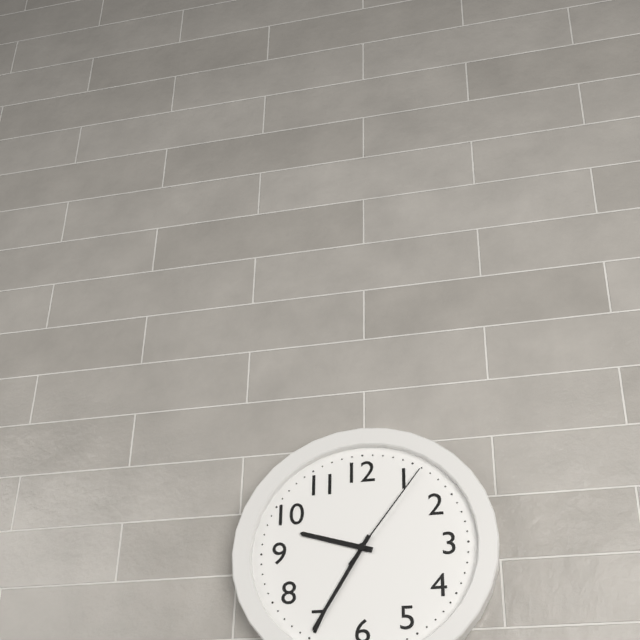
9:35:06
